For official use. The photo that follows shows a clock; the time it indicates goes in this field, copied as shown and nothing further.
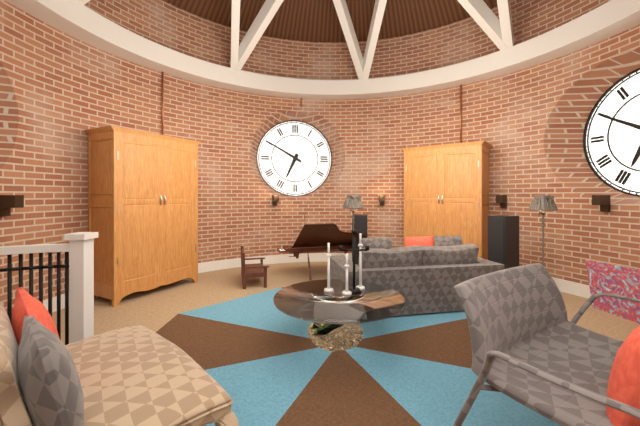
6:50
